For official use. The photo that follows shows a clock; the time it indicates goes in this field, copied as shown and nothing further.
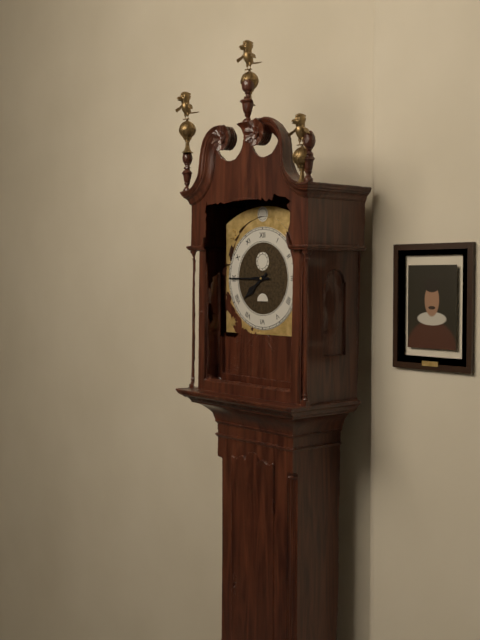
7:45
